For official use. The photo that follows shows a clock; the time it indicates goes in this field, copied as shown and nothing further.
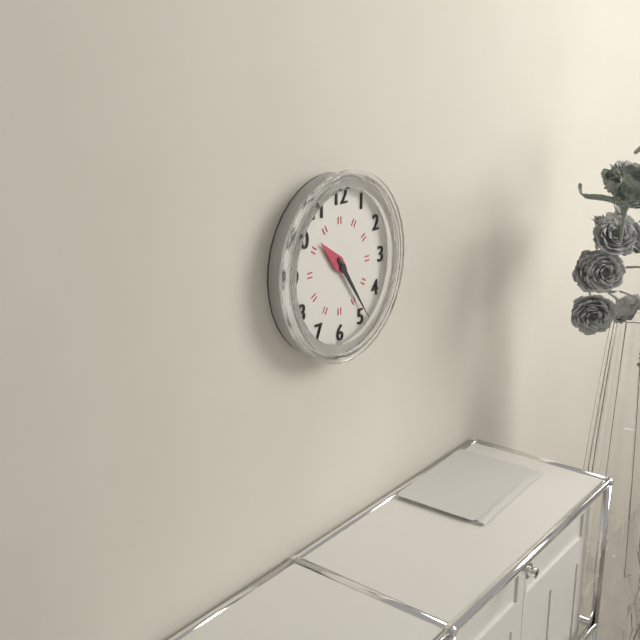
10:24
